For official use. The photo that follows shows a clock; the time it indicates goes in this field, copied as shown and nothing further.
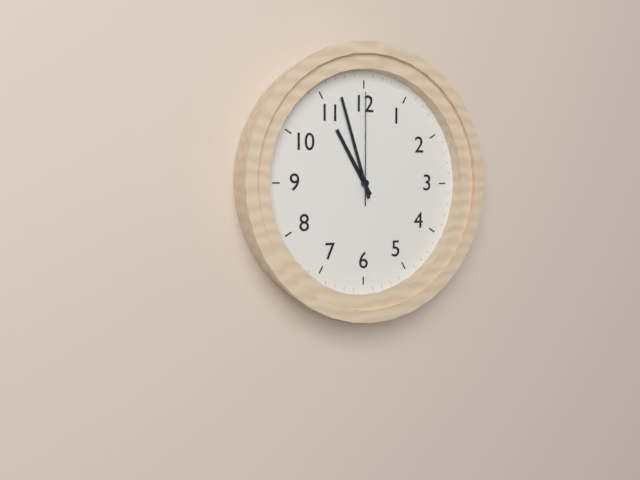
10:57:00
